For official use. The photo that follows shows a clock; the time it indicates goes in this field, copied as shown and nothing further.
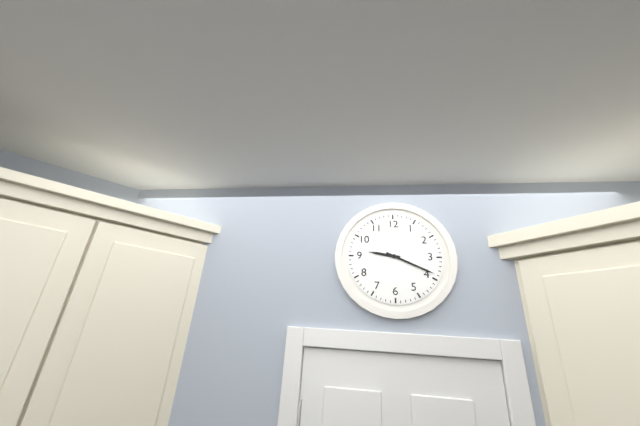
9:19
